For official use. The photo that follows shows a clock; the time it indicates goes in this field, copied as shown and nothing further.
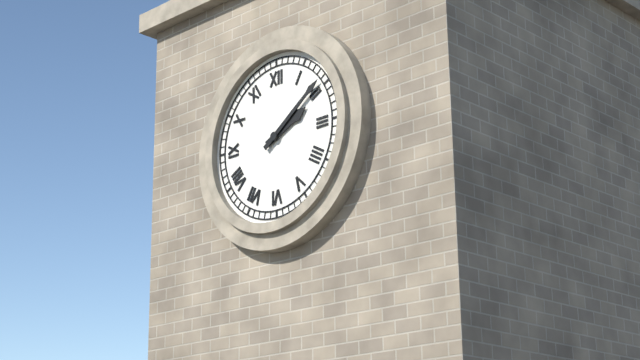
2:09
